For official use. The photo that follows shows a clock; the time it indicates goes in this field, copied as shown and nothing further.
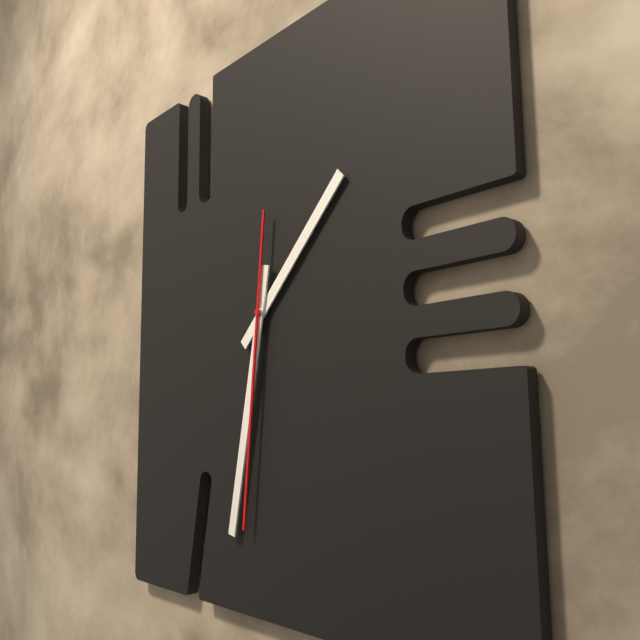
1:32:31
